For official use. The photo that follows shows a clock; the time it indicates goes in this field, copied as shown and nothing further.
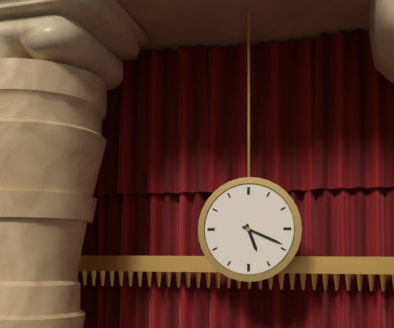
5:19
